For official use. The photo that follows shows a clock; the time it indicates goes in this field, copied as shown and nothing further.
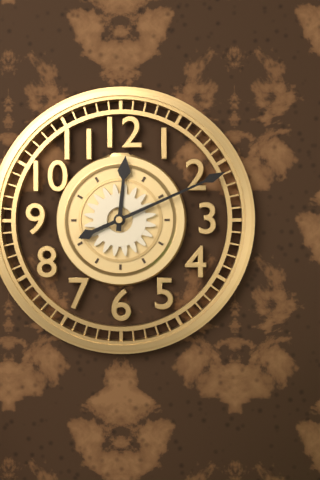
12:11
